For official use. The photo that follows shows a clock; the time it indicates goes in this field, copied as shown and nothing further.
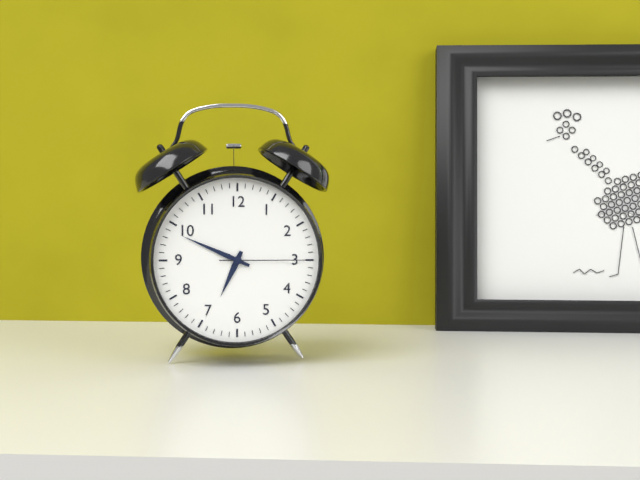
6:49:15
